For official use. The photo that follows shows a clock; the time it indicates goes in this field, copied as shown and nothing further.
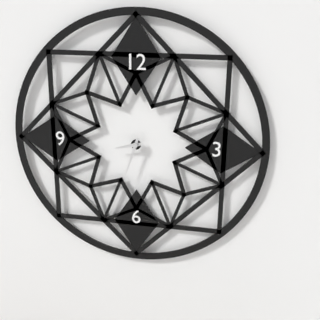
8:33
